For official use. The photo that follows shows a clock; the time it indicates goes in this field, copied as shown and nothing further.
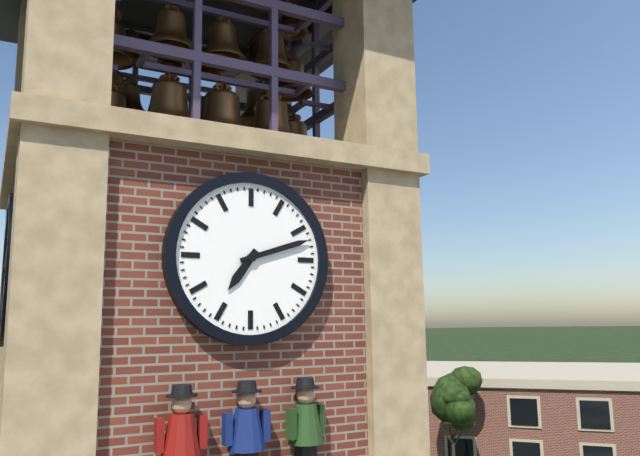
7:12
